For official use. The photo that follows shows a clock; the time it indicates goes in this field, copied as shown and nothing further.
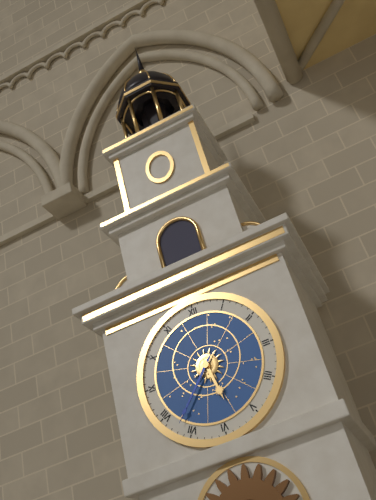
5:37
